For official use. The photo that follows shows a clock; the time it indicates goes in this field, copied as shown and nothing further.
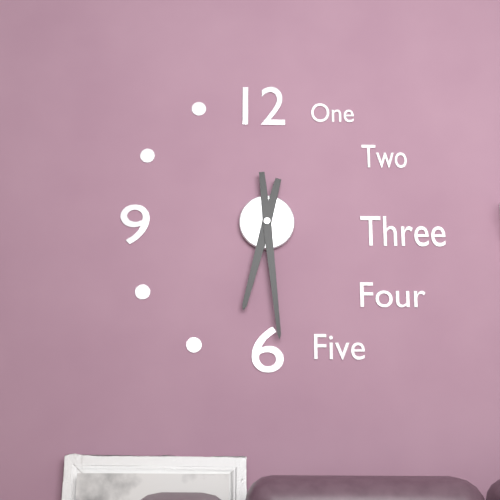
6:29
